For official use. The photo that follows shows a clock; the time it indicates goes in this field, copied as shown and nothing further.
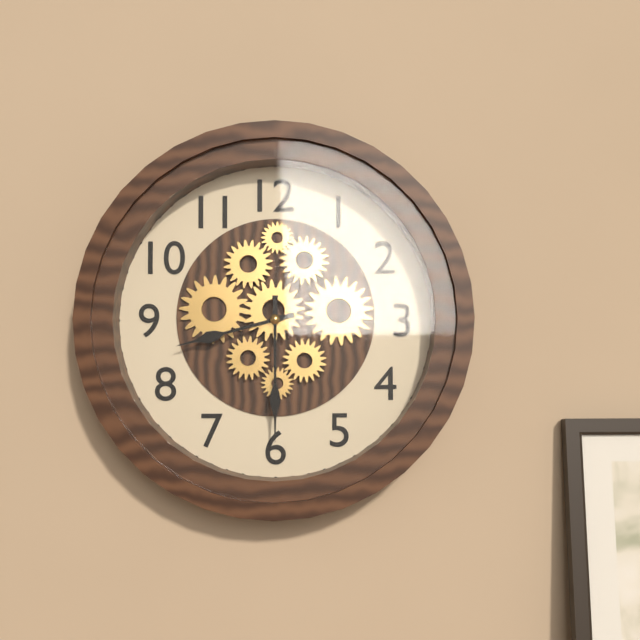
8:30
